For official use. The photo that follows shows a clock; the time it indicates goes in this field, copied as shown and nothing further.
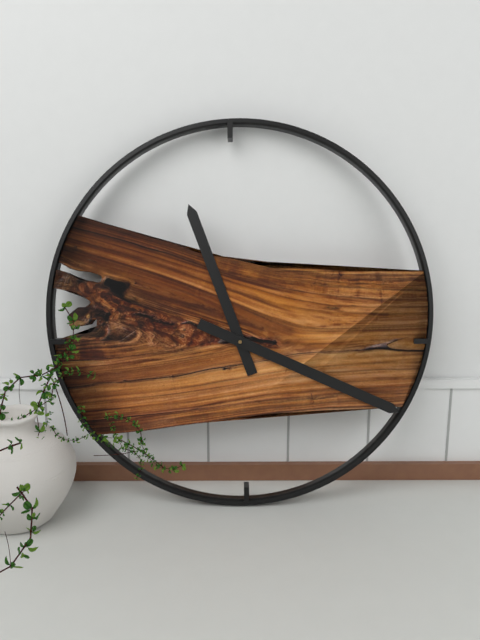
11:19
